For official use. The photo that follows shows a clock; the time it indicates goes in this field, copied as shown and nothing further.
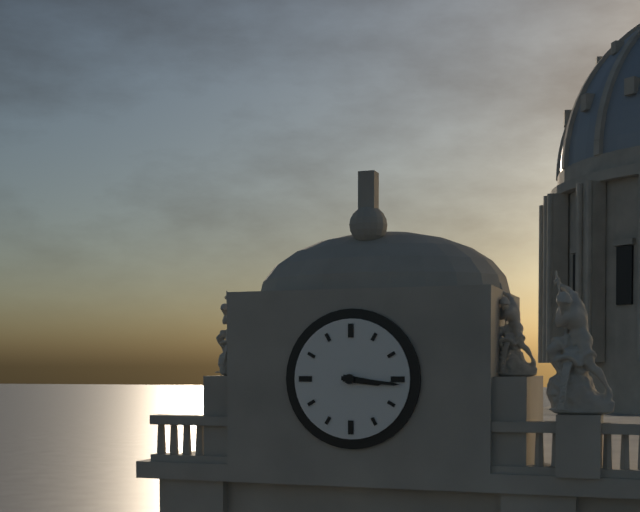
3:16
